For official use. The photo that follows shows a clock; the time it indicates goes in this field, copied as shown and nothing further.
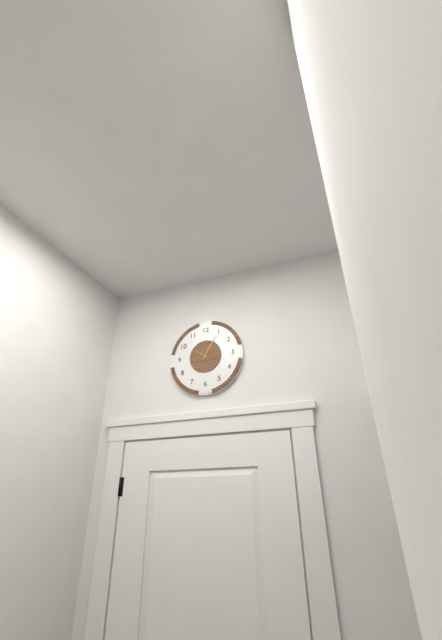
10:05
